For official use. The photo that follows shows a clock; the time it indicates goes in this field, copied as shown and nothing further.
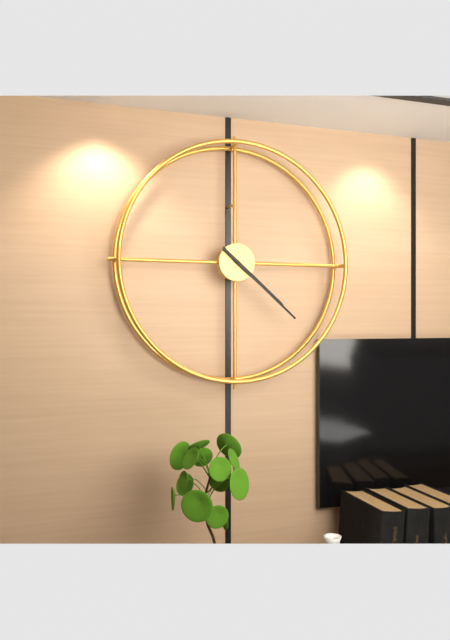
4:22
